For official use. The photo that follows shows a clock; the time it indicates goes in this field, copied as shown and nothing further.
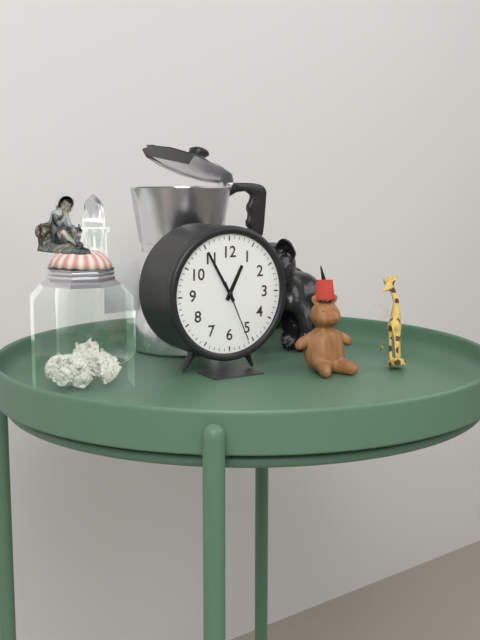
12:55:26
